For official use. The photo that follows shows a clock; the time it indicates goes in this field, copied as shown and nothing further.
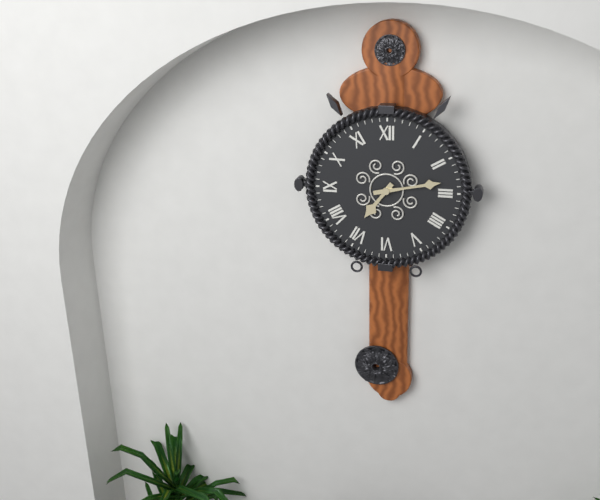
7:13
